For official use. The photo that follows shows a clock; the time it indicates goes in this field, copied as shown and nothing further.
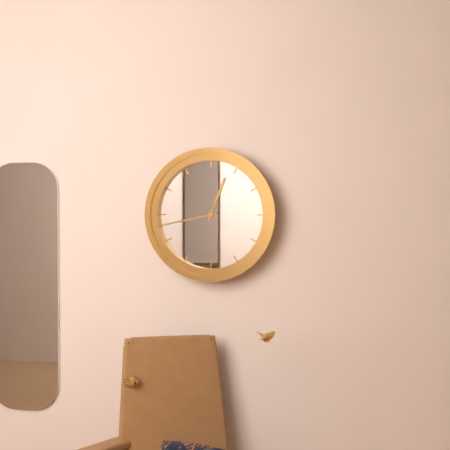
12:43
